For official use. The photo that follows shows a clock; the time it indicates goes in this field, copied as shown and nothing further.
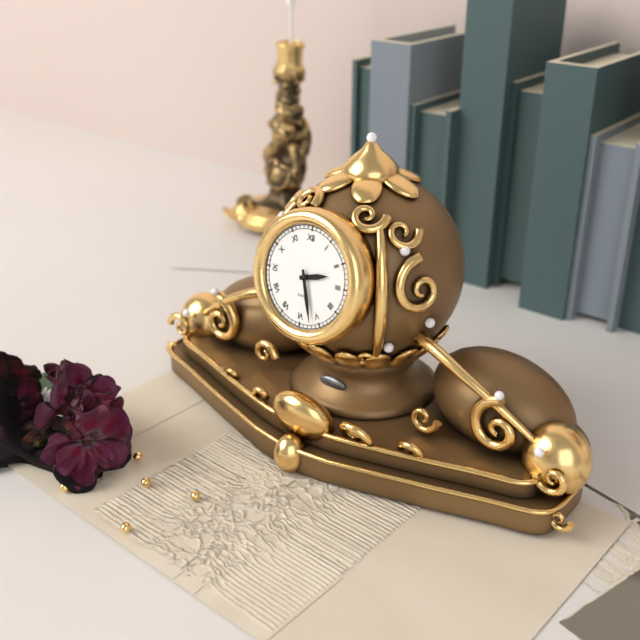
2:27
